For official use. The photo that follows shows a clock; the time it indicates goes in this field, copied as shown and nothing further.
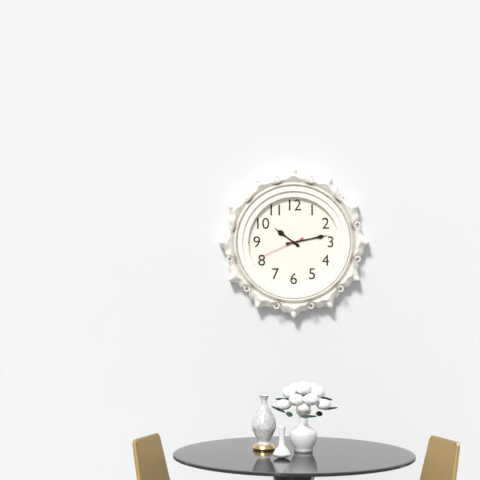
10:13
